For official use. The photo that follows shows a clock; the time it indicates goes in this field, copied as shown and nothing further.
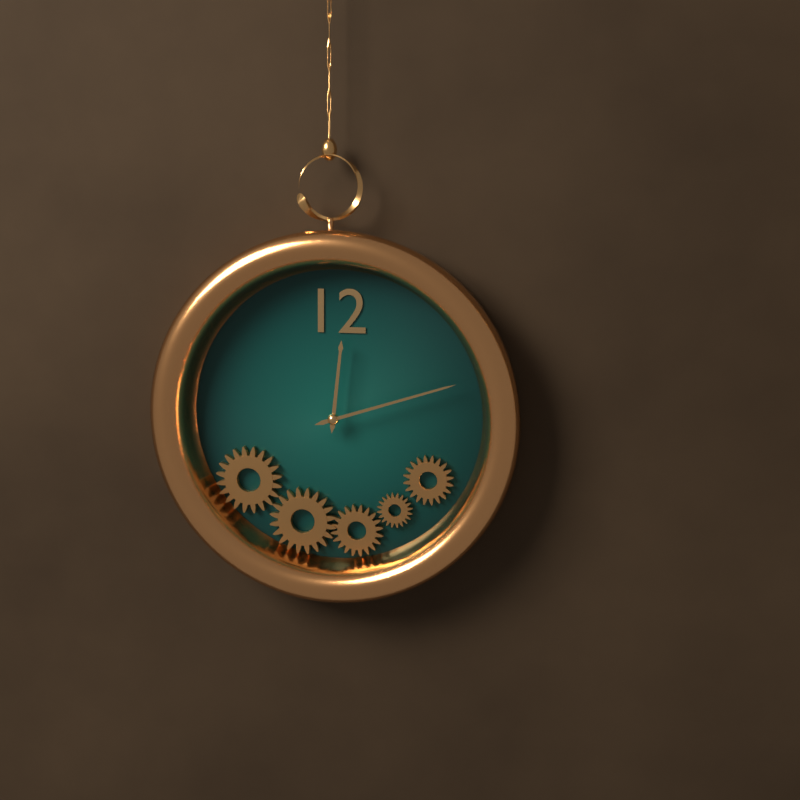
12:12
